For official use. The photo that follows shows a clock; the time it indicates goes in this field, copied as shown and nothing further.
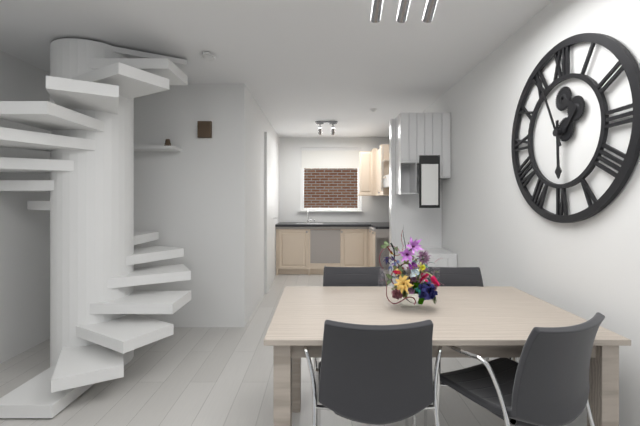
5:56
